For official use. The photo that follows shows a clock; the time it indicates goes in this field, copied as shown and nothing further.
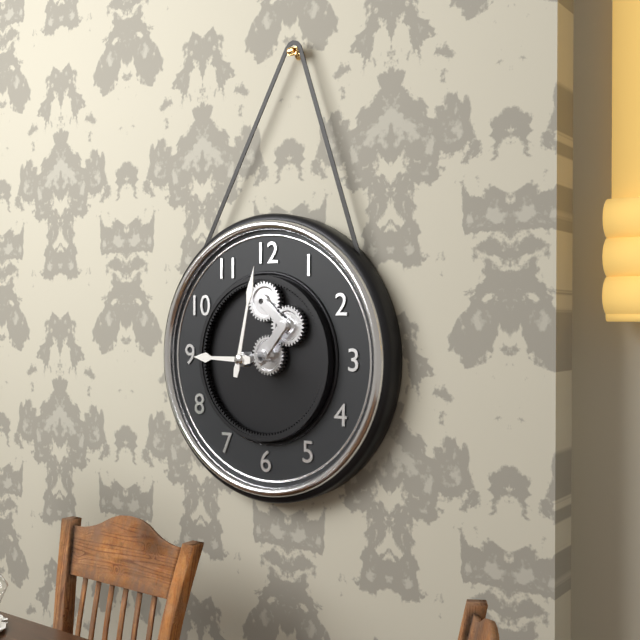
9:02
